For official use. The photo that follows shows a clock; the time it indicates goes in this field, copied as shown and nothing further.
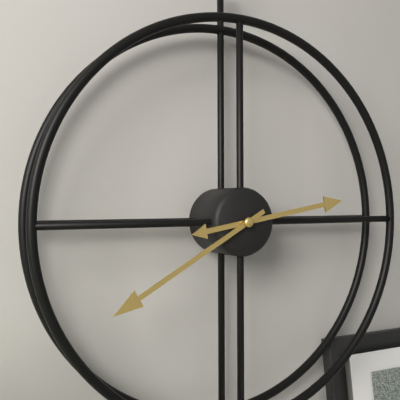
2:40
